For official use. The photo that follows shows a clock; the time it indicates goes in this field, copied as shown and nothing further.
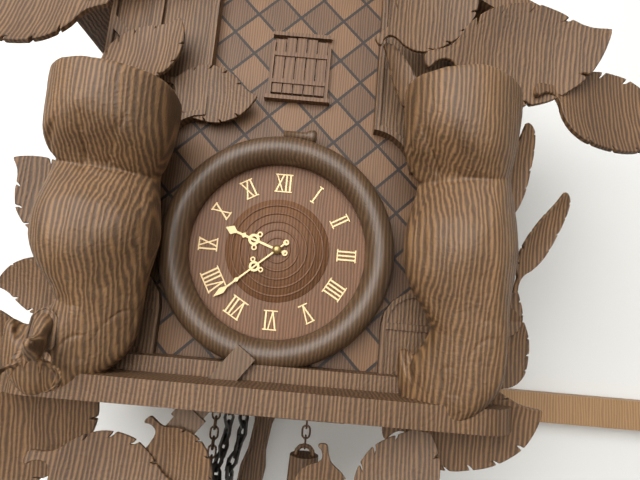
9:38
